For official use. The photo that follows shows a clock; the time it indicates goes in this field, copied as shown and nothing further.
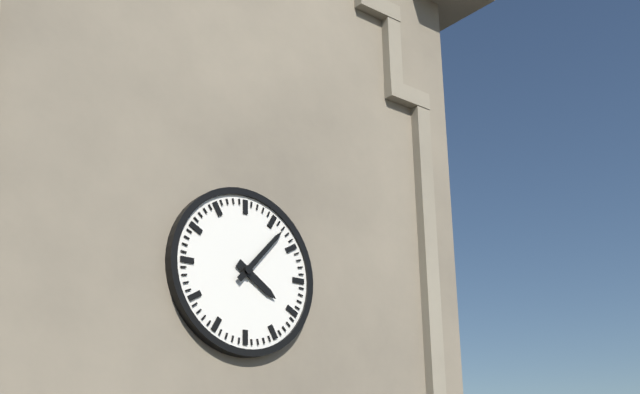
4:07
